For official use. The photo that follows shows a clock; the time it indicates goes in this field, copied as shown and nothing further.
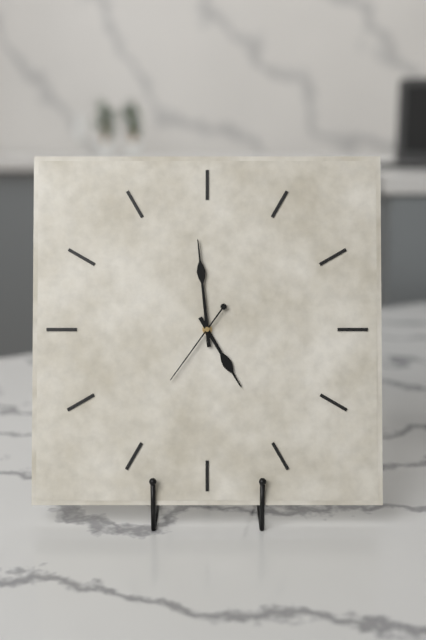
4:59:36
